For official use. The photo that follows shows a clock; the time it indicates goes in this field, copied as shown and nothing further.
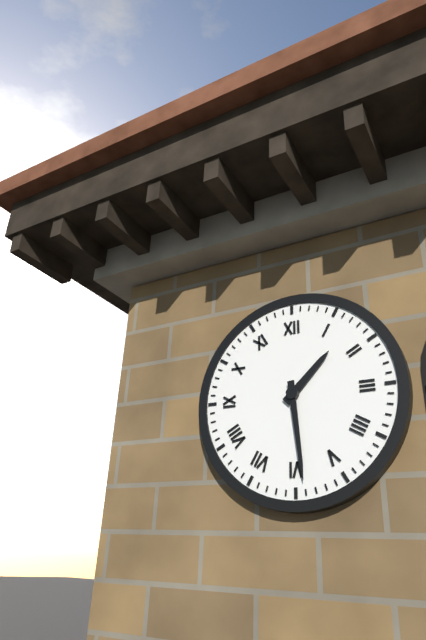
1:29
